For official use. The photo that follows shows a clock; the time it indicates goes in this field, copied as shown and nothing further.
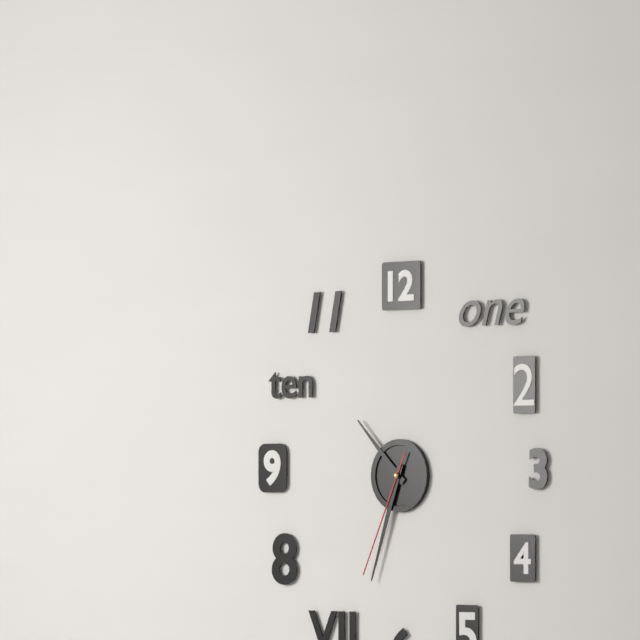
10:33:34
